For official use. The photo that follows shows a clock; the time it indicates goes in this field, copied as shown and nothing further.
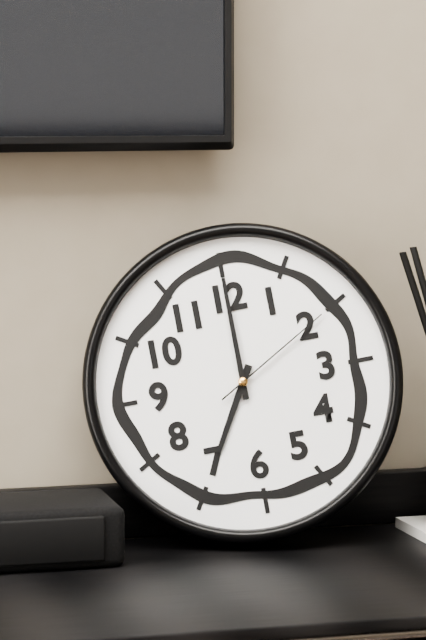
7:00:10
